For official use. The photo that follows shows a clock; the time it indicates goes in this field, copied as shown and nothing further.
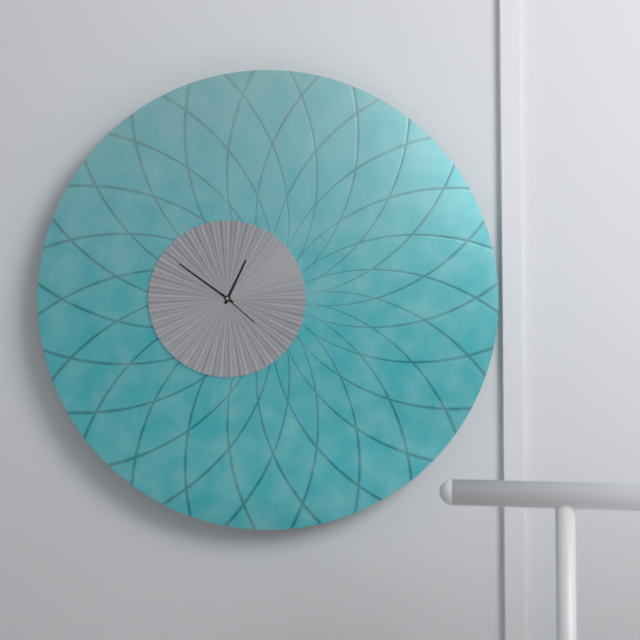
12:51
